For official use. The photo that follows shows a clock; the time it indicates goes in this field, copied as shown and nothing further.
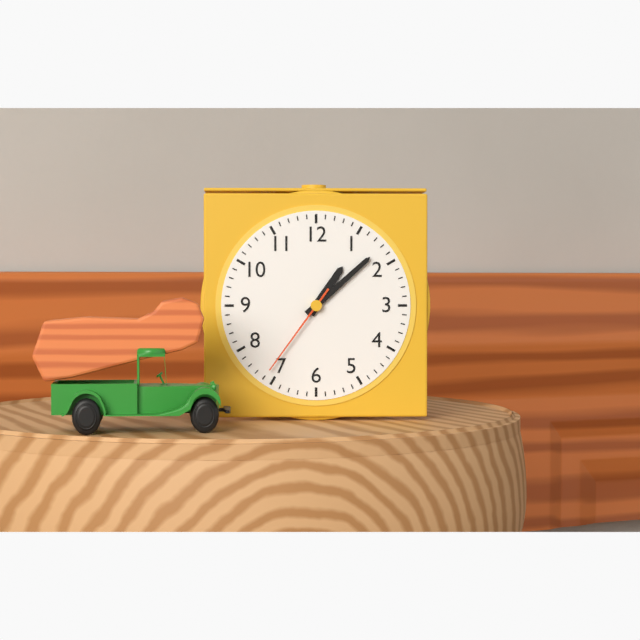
1:08:36
